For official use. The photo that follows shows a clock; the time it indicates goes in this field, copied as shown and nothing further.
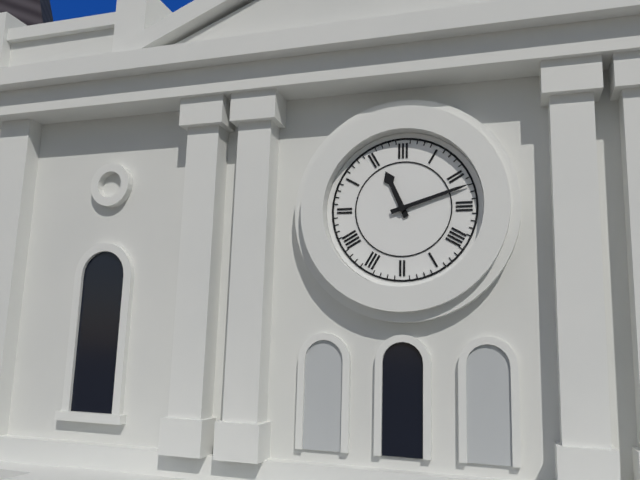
11:12
